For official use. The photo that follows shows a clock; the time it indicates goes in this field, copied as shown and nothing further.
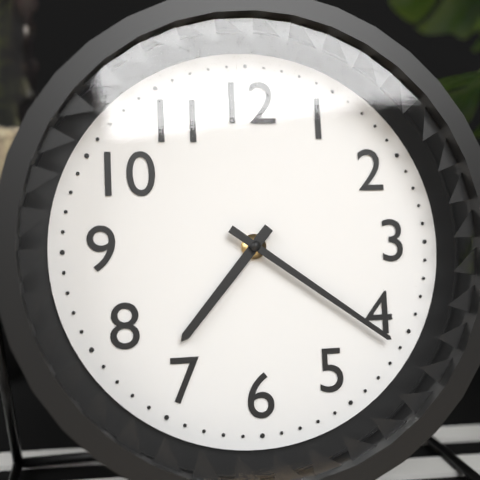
7:21
